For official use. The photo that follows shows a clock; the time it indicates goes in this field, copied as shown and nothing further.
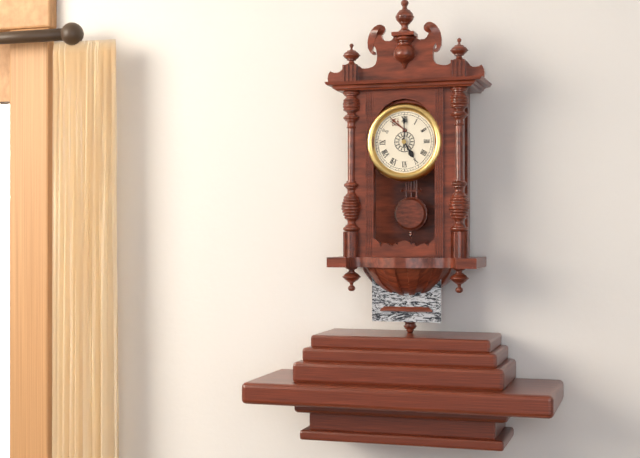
5:00
